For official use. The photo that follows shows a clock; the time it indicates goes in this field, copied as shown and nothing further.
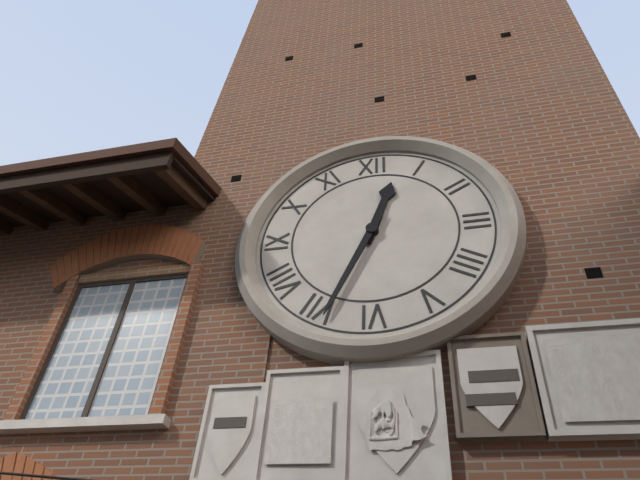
12:34
